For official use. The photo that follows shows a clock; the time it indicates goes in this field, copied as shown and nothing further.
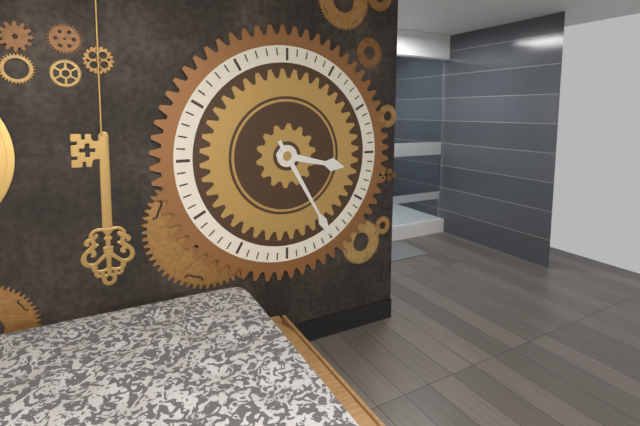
3:25
